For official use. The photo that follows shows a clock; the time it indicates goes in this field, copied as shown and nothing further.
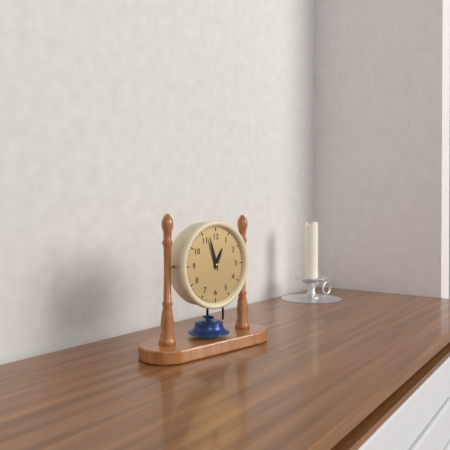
12:57
